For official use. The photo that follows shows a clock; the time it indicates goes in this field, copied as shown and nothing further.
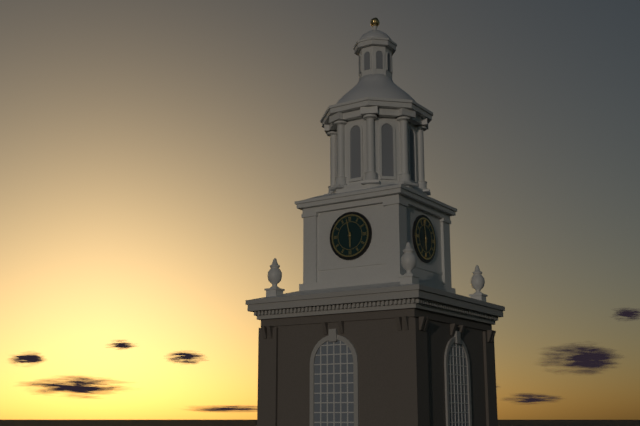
5:58
